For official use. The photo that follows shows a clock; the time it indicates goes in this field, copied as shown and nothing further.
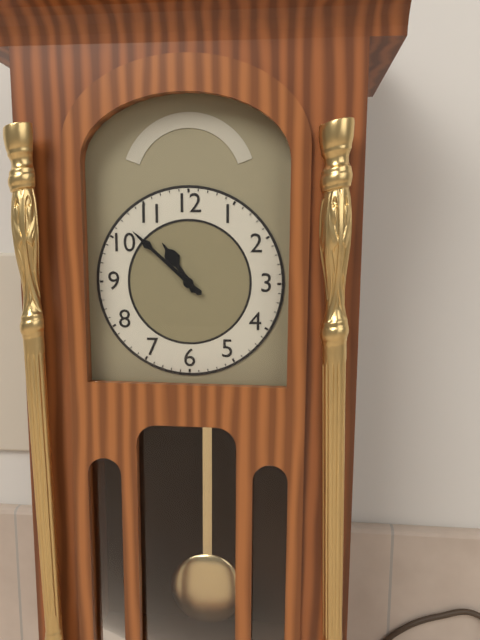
10:52
